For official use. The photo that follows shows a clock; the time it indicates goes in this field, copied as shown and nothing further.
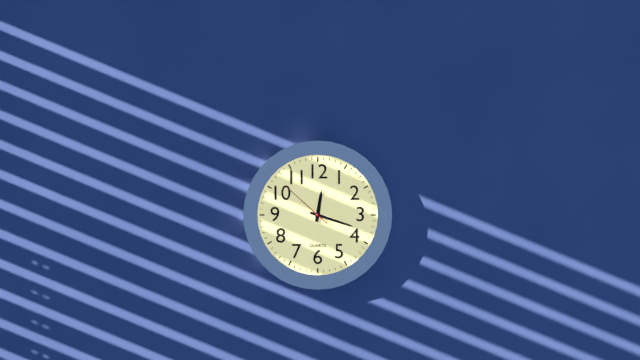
12:18:52
